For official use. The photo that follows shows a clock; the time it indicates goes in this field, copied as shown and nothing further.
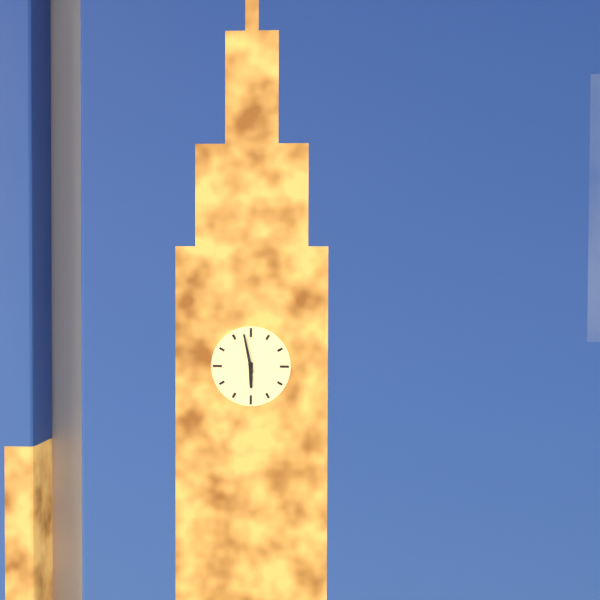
5:58
